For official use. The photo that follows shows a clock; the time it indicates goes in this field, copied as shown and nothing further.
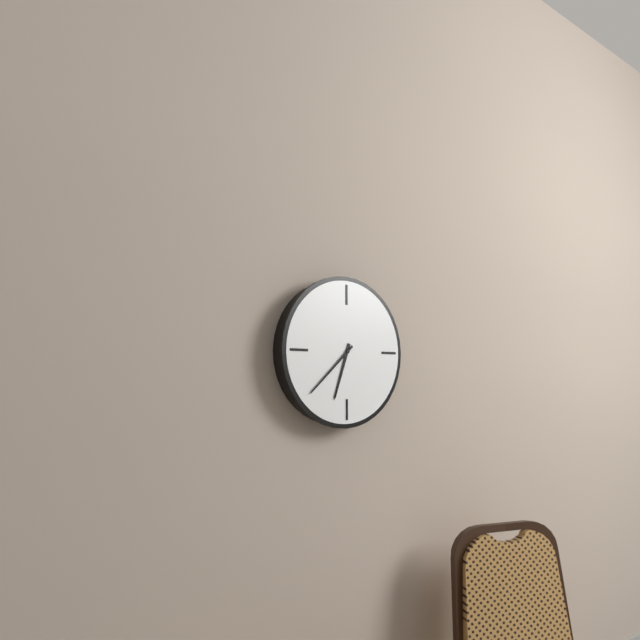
6:38
